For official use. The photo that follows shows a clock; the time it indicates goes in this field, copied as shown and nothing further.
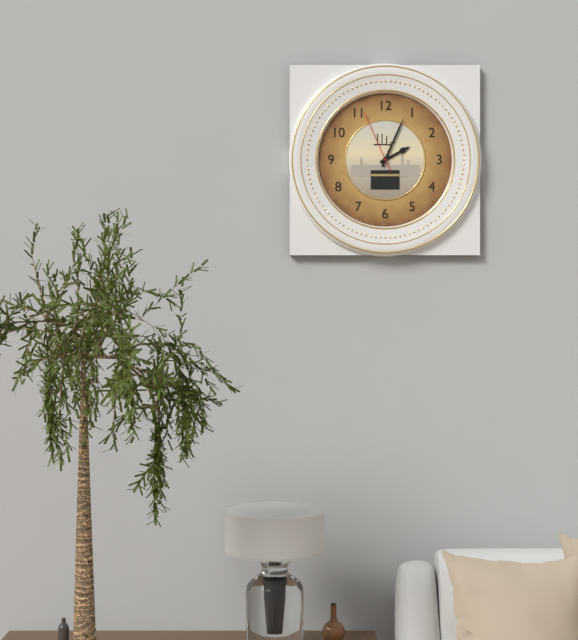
2:04:56
